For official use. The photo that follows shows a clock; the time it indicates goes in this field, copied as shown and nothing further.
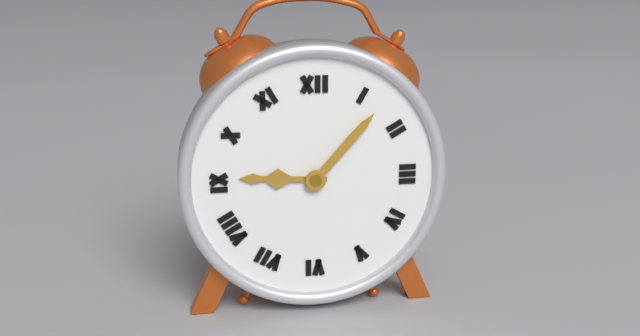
9:07
